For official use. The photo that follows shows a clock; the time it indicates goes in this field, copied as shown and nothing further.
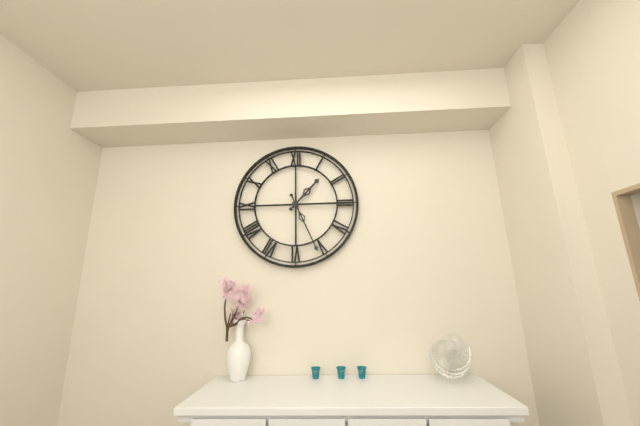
1:26
